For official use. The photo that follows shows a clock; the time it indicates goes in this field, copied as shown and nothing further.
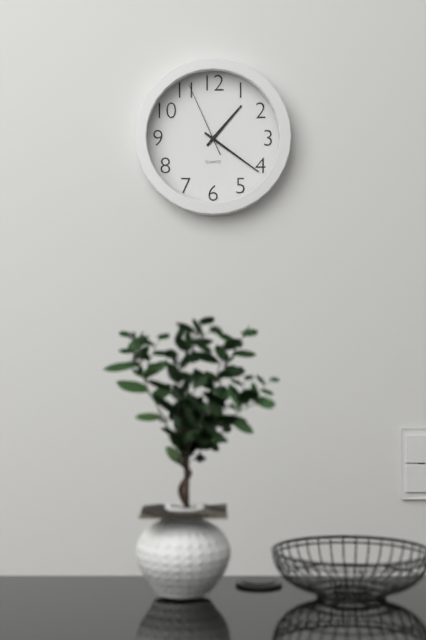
1:21:56
